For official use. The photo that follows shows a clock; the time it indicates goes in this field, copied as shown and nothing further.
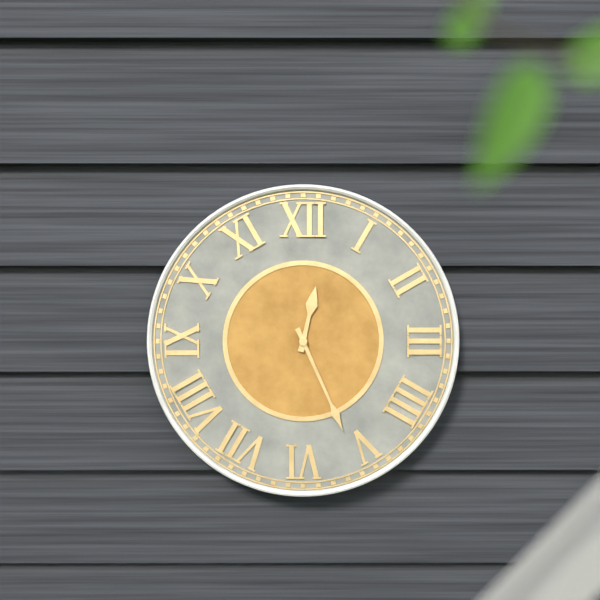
12:26
